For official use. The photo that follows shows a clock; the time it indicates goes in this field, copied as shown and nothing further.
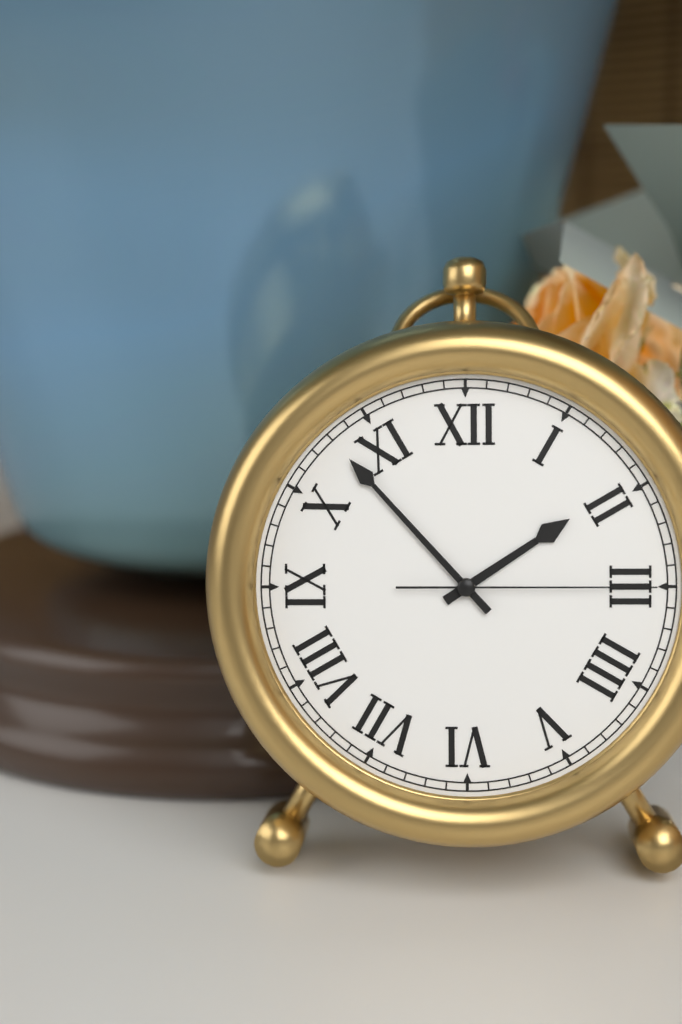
1:53:15
